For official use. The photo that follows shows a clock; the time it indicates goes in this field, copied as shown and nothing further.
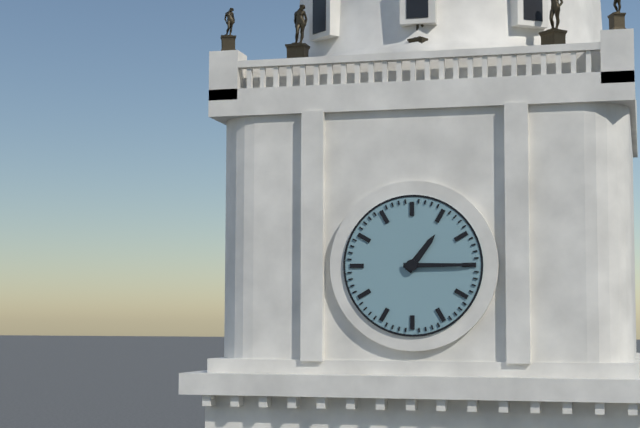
1:15
